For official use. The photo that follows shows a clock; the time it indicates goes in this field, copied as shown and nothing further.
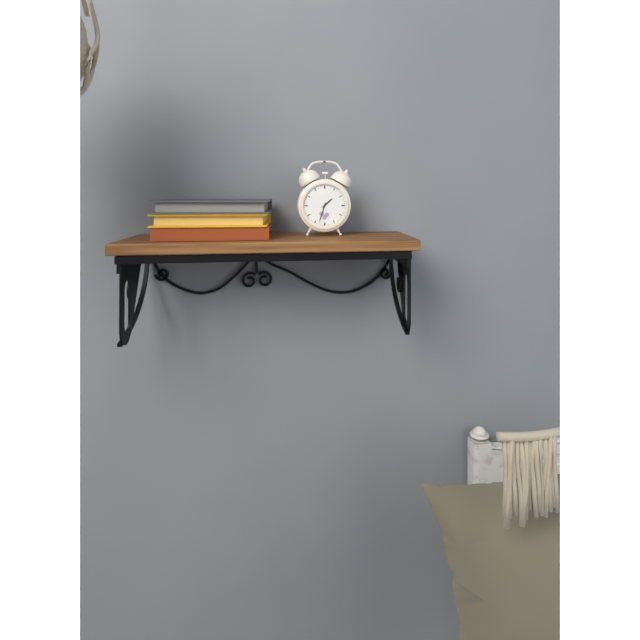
1:33
